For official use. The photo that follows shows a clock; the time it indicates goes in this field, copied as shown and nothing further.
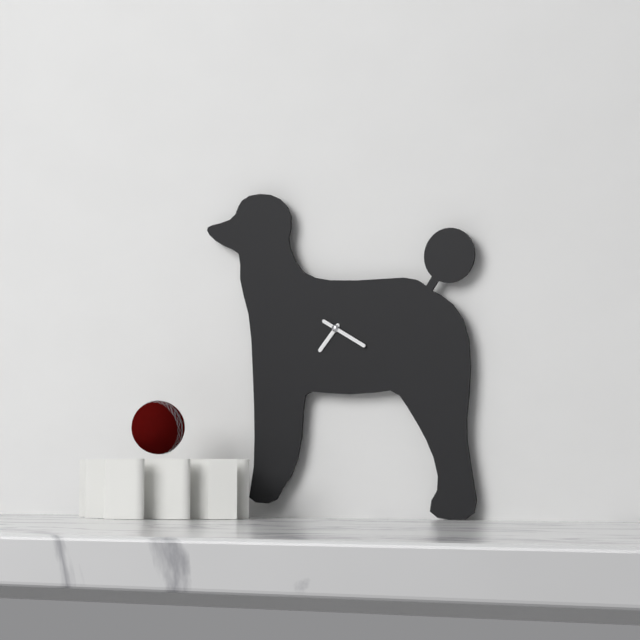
7:20
